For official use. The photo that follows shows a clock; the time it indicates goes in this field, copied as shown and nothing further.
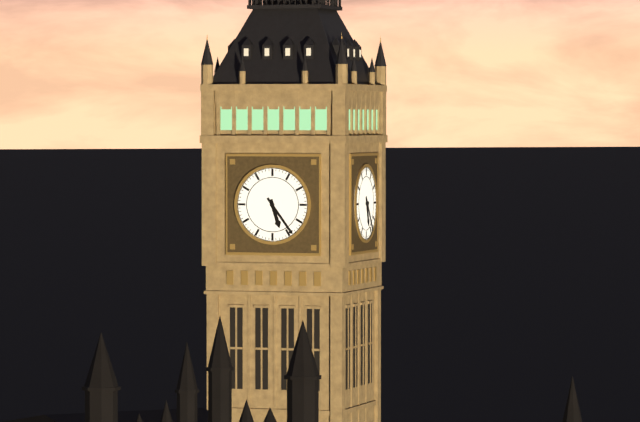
5:24
